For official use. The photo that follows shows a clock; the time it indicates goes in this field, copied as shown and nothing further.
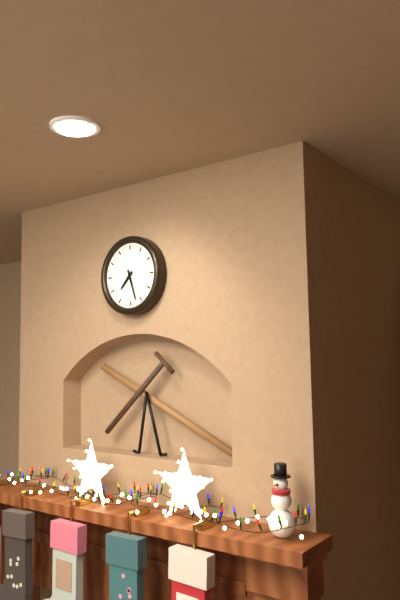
7:27
